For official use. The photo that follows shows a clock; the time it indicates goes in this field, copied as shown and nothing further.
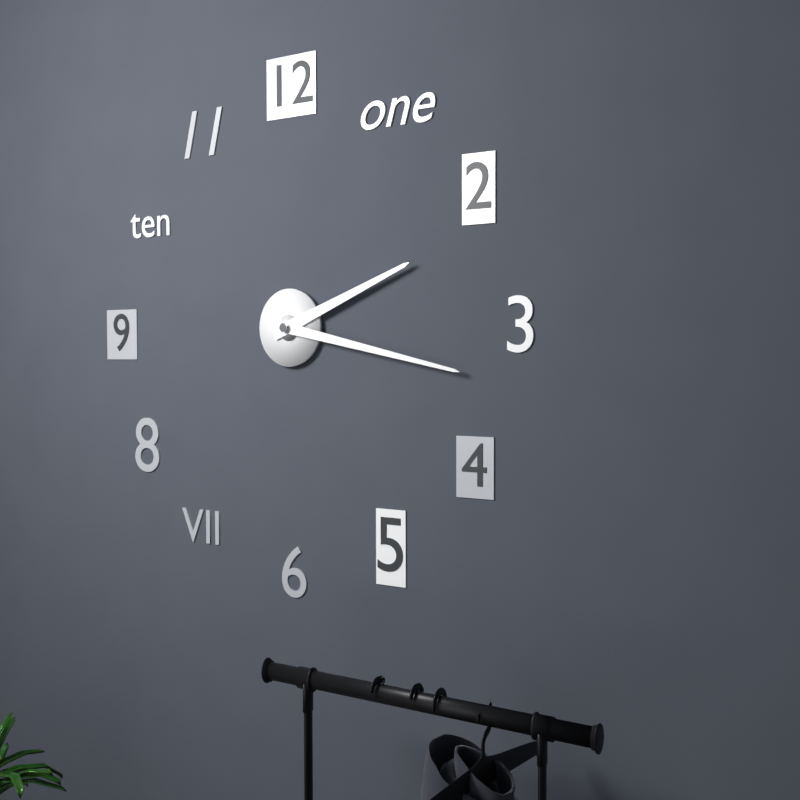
2:17
